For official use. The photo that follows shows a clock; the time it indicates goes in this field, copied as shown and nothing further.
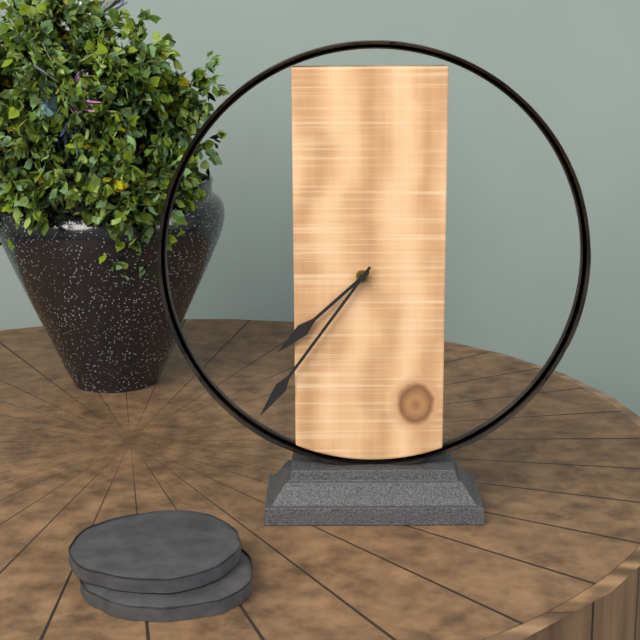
7:36
